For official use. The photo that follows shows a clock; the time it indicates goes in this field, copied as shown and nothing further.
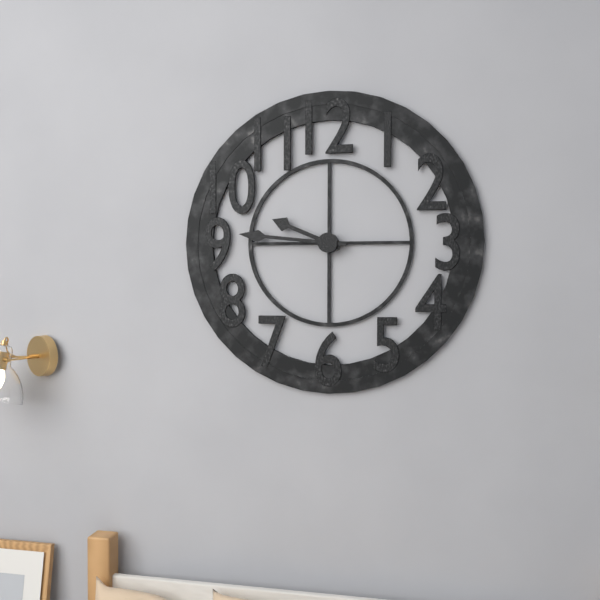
9:46
